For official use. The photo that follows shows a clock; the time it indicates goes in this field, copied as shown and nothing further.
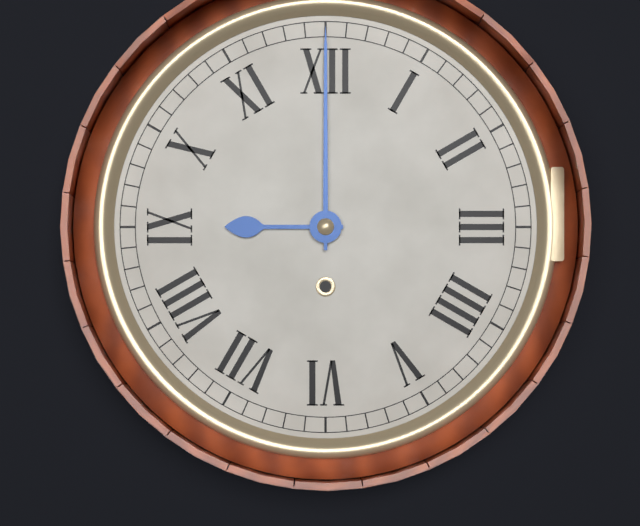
9:00
